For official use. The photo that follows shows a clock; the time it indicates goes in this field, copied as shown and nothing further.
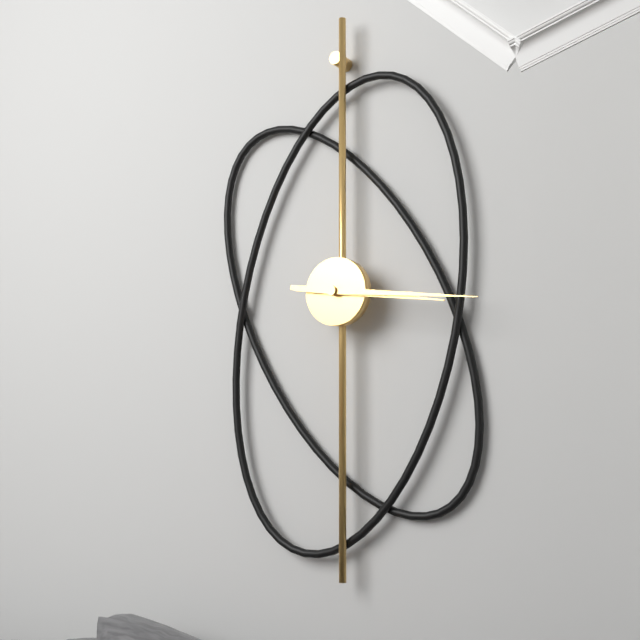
3:16
